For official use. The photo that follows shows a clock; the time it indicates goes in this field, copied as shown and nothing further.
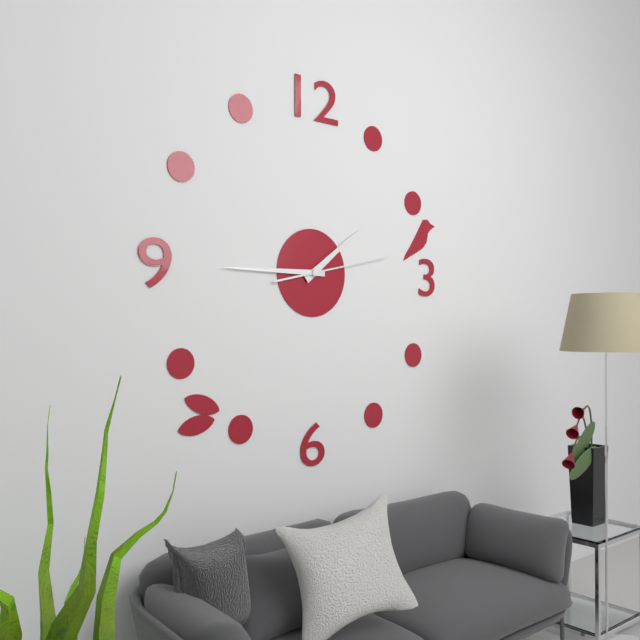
1:45:13
